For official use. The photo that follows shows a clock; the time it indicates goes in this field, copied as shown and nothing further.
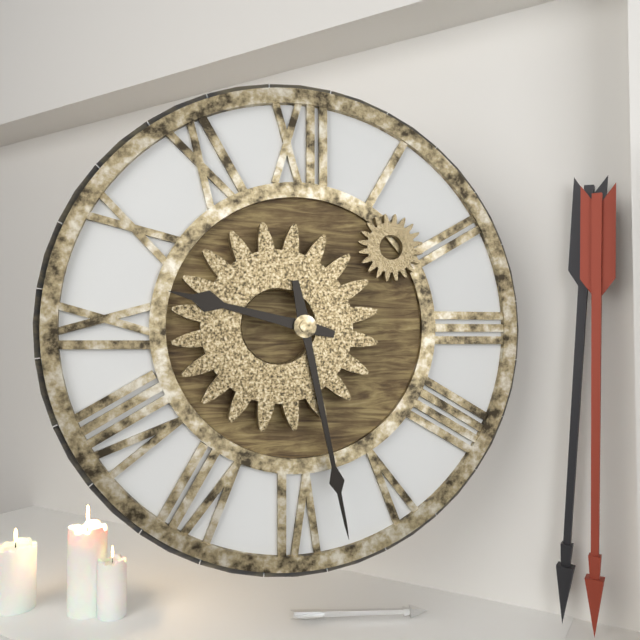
9:28
